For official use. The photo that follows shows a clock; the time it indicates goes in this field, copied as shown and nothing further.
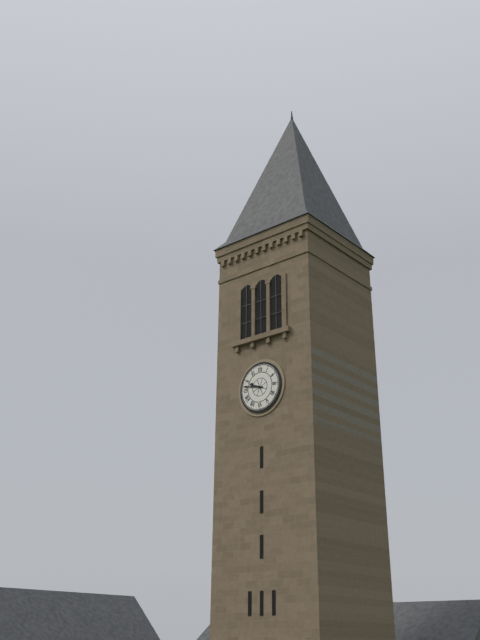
9:47
